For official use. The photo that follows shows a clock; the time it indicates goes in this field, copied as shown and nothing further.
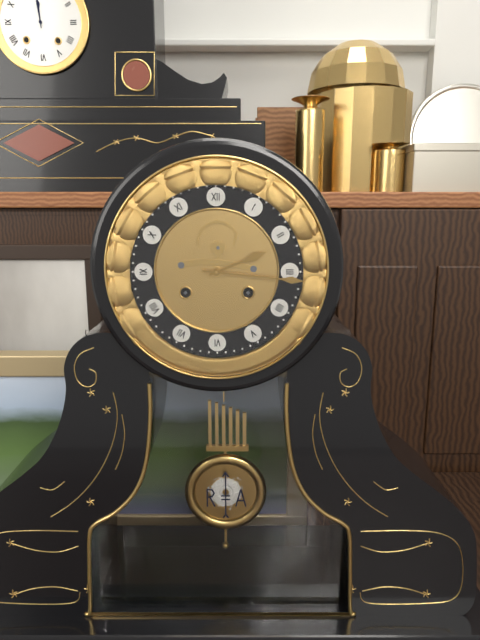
2:16
